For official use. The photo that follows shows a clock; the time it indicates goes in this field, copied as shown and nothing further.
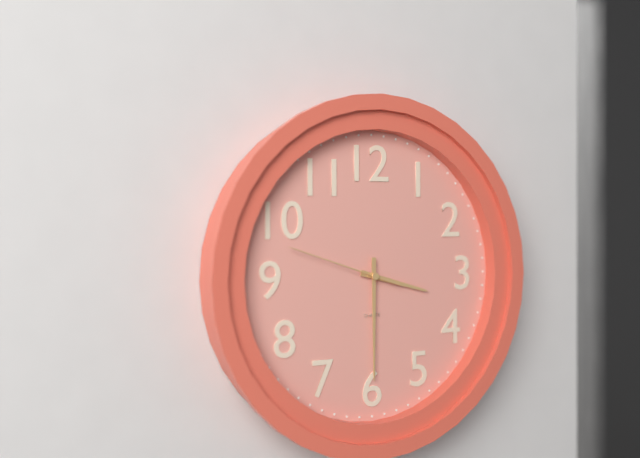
3:30:48
